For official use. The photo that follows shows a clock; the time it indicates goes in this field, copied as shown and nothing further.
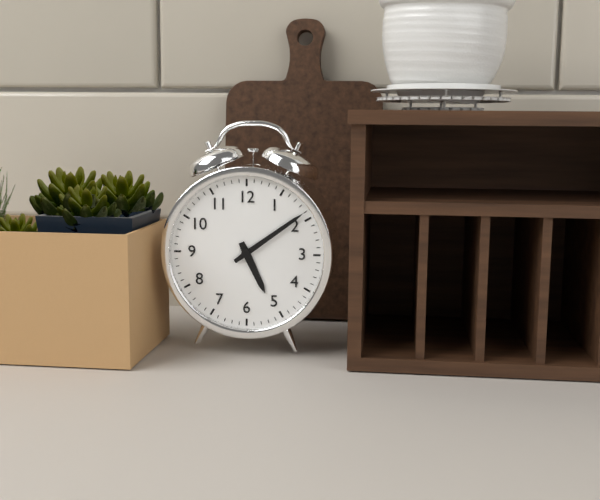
5:09
